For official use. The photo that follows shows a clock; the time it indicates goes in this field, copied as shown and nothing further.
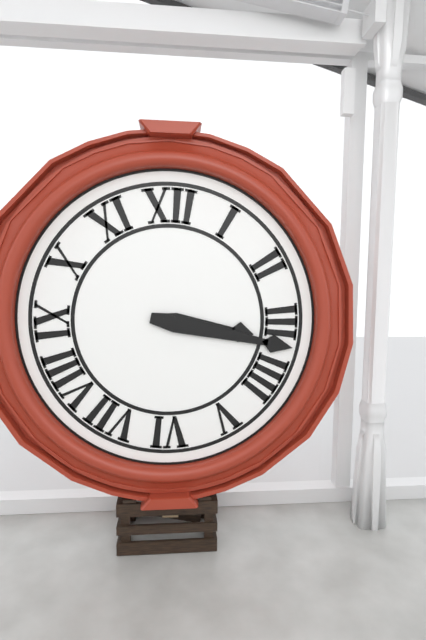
3:17
